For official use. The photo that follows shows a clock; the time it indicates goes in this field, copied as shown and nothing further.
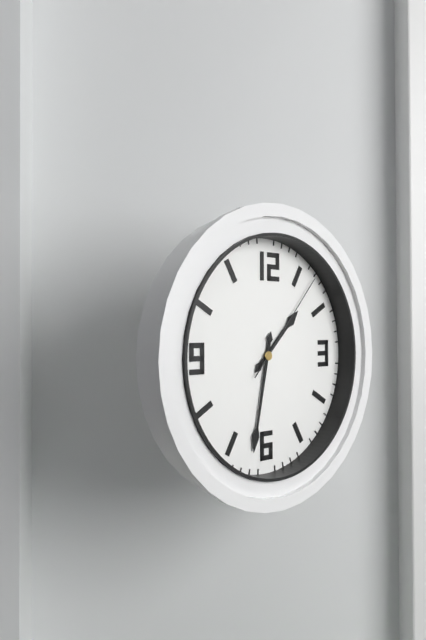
1:32:07
